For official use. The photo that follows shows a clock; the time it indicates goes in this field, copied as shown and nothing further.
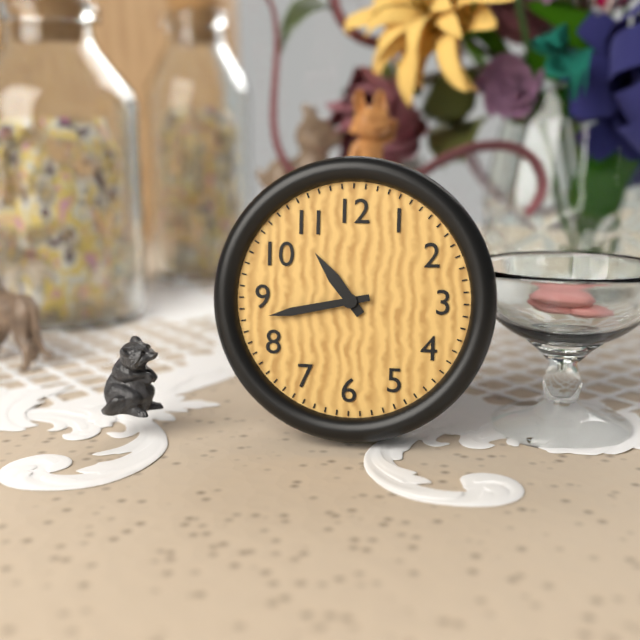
10:43
